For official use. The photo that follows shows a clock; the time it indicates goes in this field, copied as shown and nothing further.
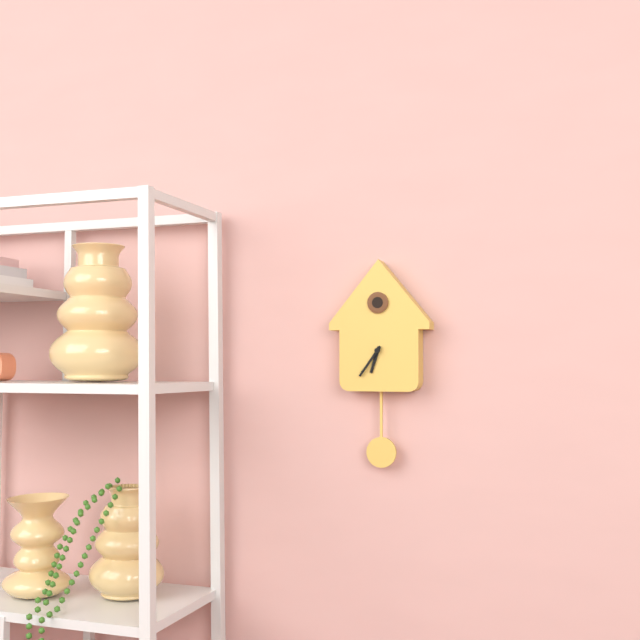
6:36
